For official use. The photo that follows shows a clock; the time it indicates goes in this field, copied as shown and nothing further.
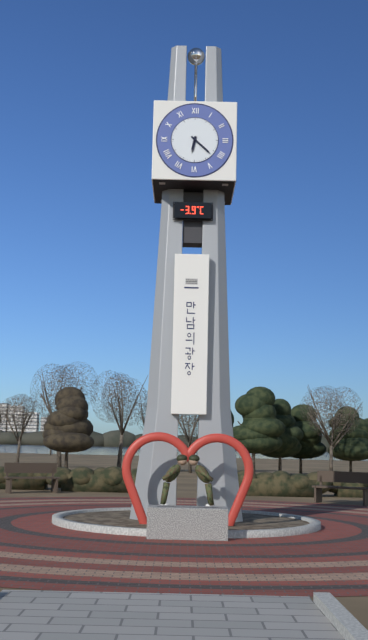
6:22
